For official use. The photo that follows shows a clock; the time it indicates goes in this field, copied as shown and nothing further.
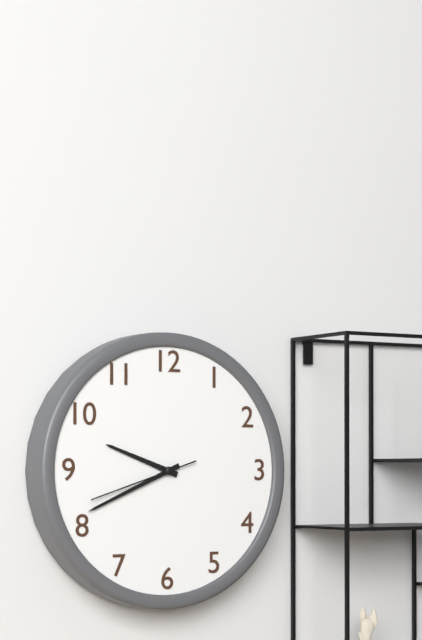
9:41:42
